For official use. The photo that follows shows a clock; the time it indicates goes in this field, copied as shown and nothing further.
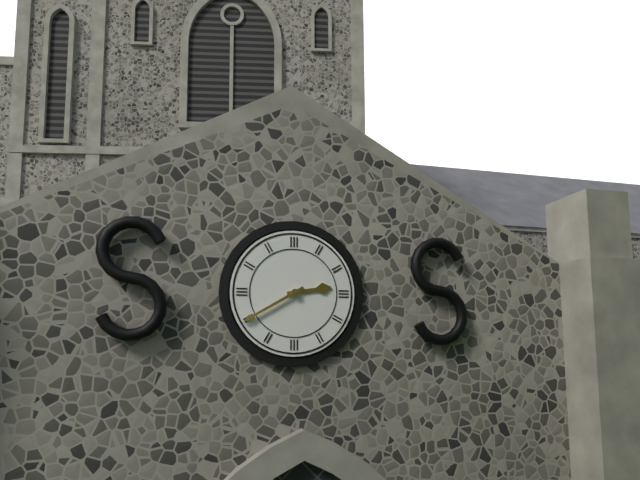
2:40
